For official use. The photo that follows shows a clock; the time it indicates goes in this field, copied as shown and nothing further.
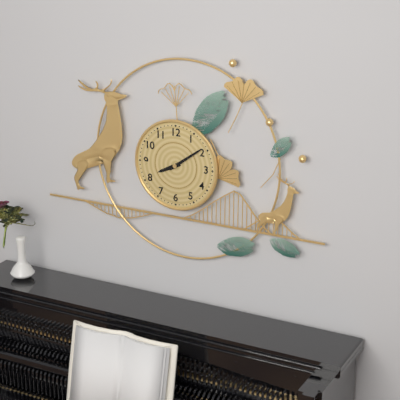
8:09
